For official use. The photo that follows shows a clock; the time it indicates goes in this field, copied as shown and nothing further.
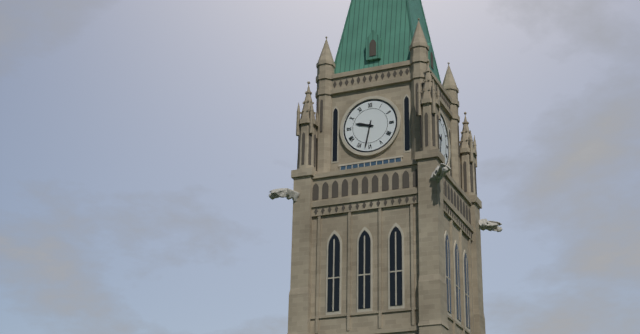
9:32
